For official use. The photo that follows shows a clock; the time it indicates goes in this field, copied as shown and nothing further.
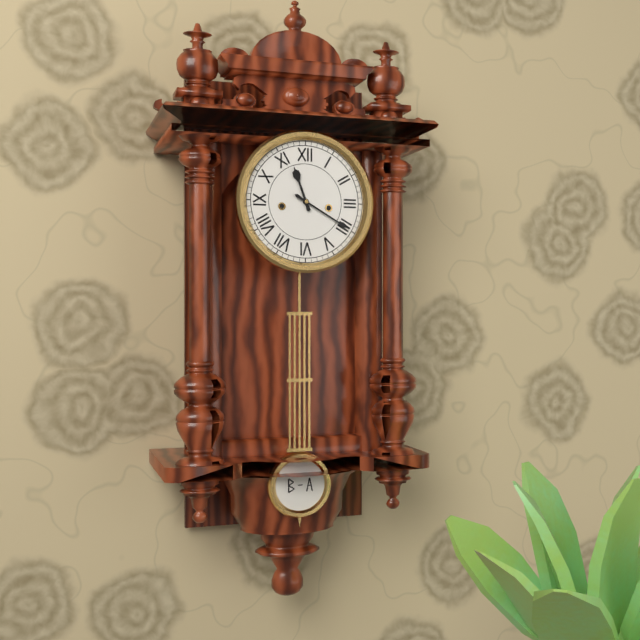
11:20
